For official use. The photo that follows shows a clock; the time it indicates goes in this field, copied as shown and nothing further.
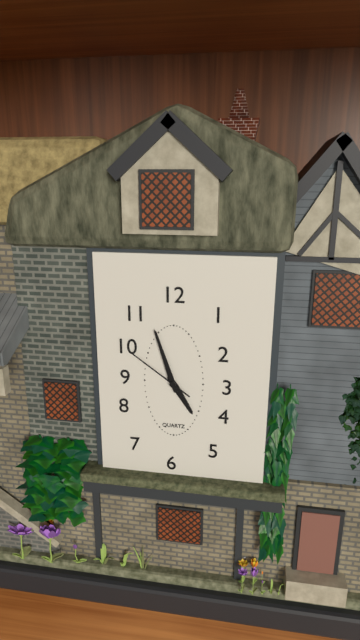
4:57:51
